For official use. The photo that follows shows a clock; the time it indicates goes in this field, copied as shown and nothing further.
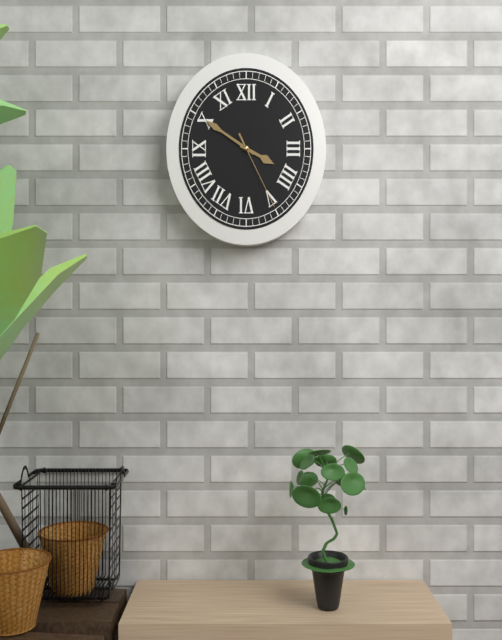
3:50:25
